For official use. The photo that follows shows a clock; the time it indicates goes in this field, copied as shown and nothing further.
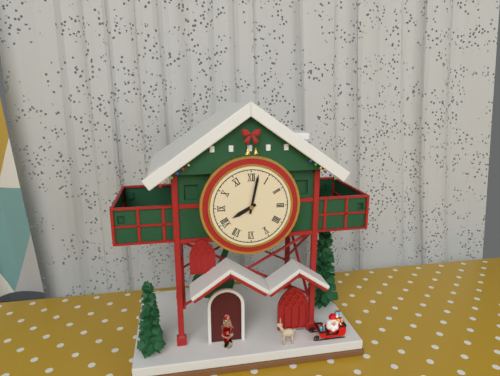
8:02
